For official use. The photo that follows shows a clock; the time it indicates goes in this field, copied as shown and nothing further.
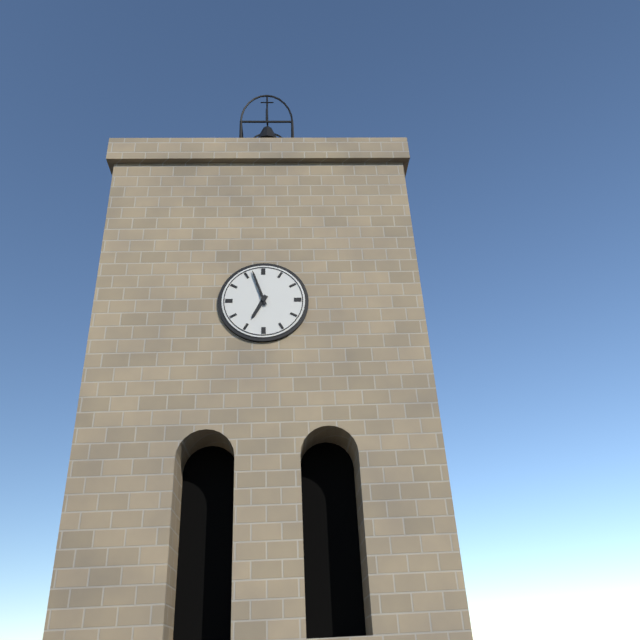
6:57
